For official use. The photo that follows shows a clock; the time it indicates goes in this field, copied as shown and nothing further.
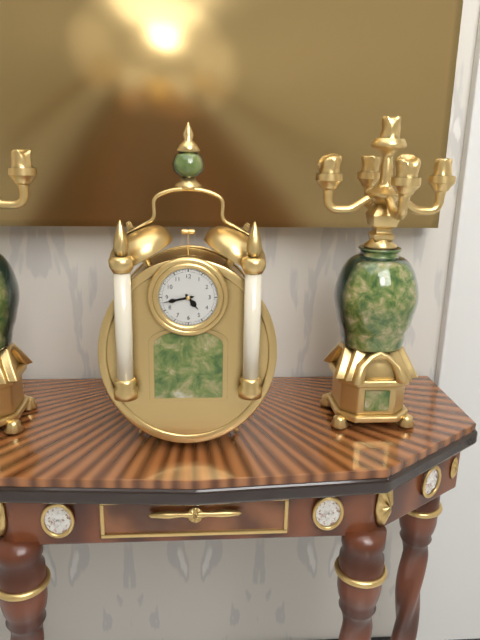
4:43
